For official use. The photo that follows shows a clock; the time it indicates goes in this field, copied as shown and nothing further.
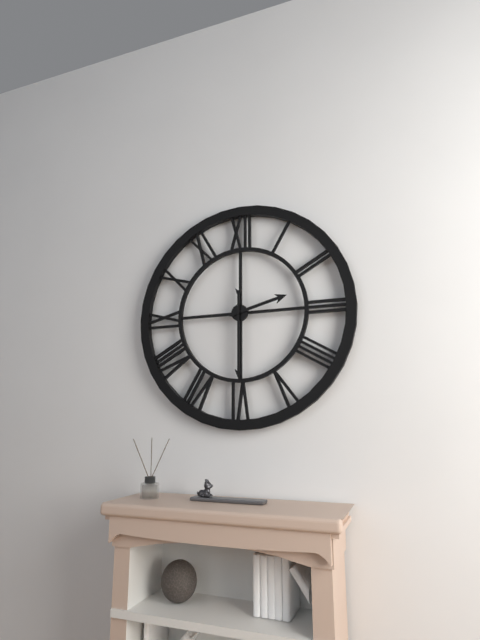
2:30
